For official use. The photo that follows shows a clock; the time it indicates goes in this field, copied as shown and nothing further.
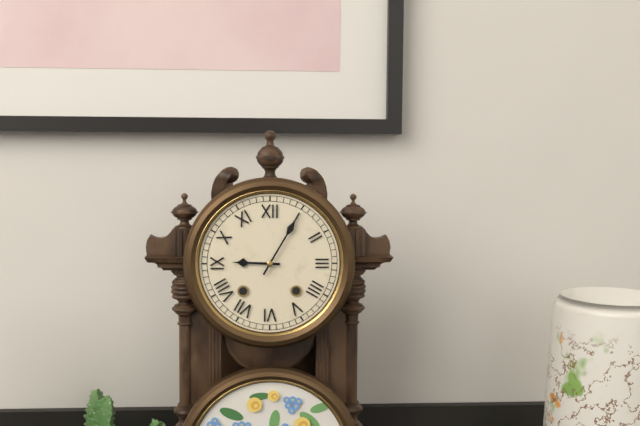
9:05
